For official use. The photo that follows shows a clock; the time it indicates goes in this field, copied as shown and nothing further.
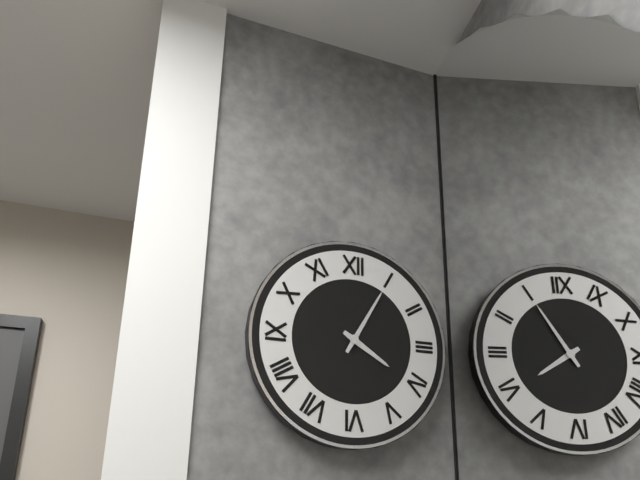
4:05
